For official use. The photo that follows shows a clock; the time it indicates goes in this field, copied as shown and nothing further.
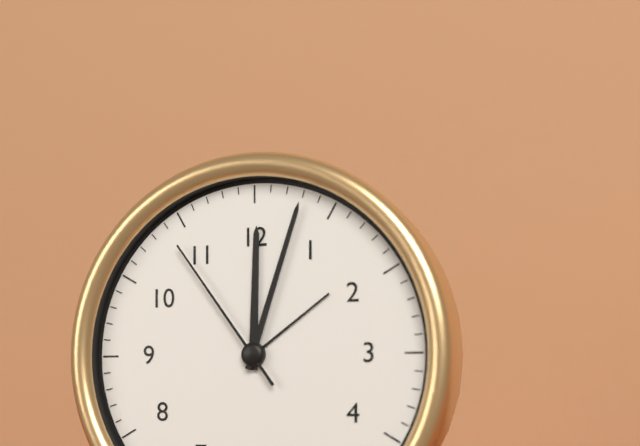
12:03:54
